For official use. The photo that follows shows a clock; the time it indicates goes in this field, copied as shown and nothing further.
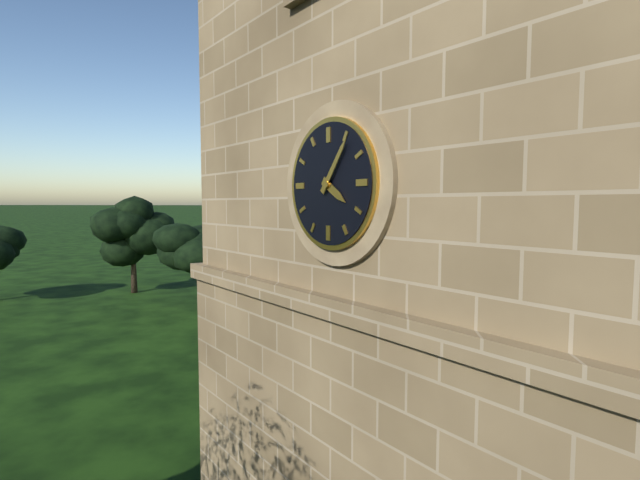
4:06
